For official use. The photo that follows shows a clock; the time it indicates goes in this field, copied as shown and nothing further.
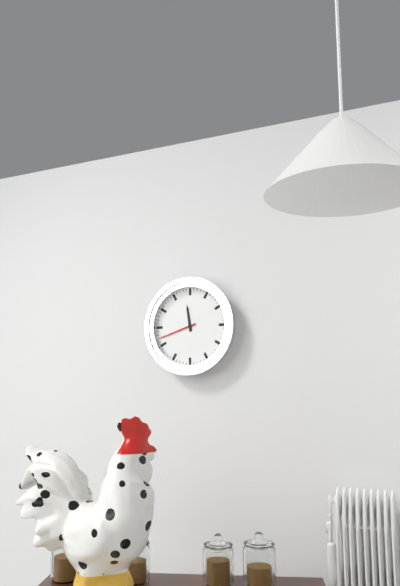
11:42
